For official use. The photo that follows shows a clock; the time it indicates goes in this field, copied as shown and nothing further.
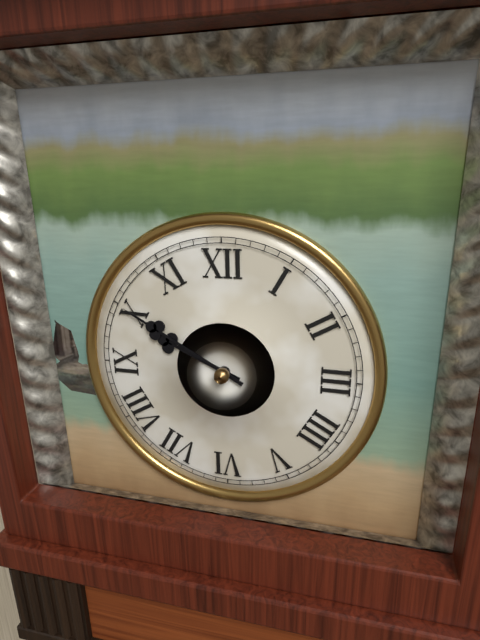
9:50
